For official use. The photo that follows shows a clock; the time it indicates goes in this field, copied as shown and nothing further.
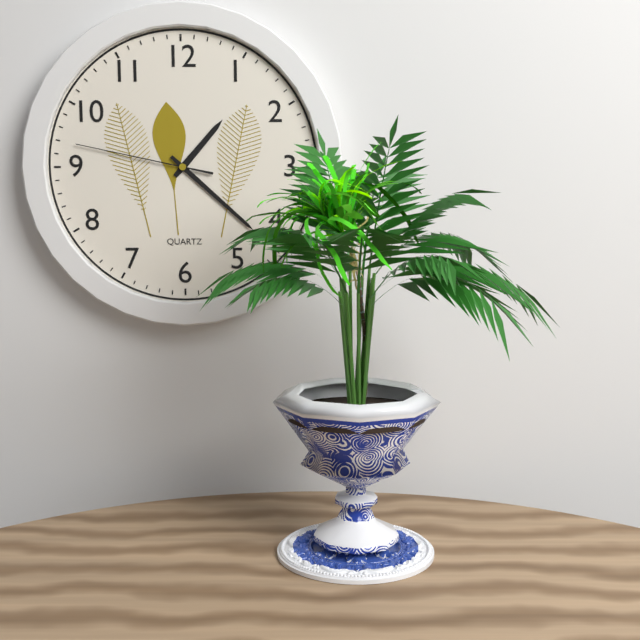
1:22:47
